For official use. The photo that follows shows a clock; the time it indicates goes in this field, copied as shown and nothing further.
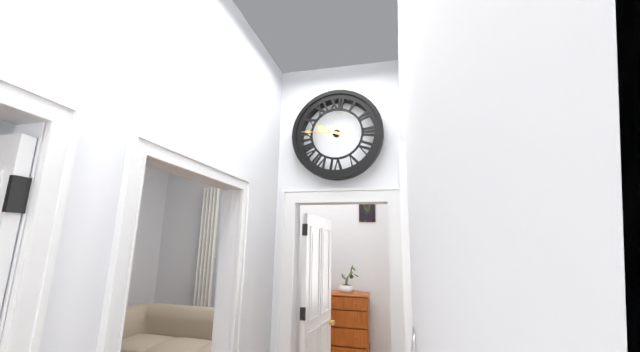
9:46
